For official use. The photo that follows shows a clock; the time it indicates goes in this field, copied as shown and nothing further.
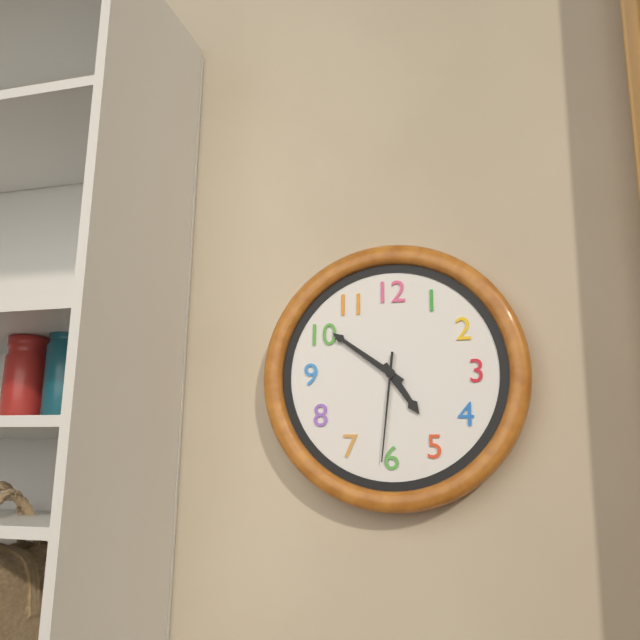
4:51:31
